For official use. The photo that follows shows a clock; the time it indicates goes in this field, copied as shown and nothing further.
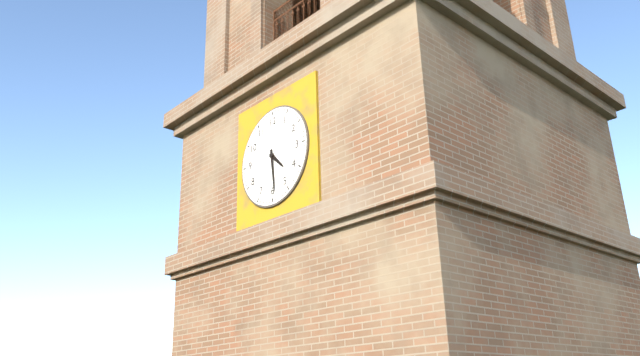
4:29
